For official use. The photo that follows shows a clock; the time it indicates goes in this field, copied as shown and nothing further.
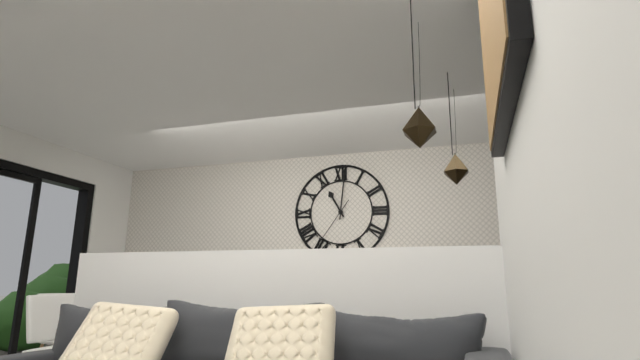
11:01:36
